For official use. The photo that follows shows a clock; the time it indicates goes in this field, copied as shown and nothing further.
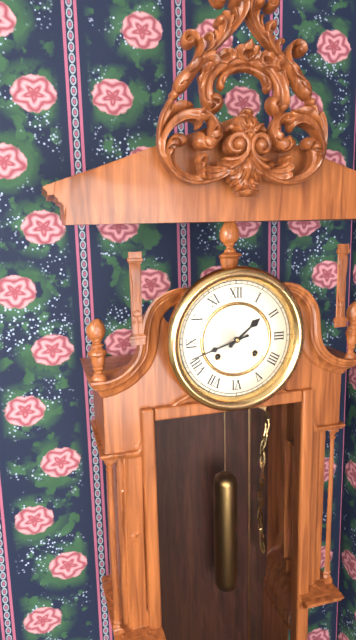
1:42
